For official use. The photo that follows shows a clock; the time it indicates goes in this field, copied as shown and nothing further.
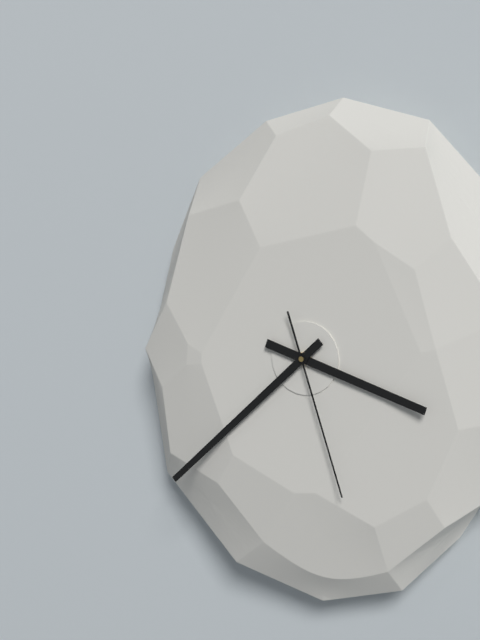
3:38:27
